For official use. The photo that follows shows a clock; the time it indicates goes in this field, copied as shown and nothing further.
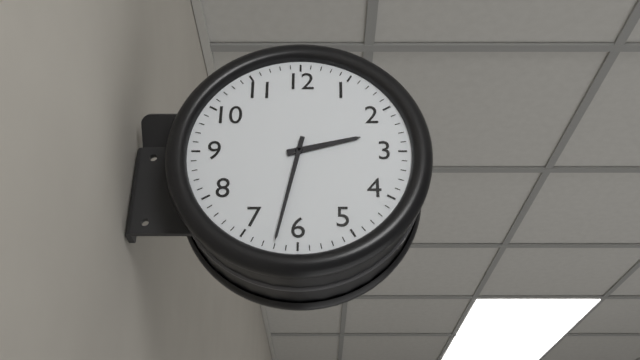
2:32
